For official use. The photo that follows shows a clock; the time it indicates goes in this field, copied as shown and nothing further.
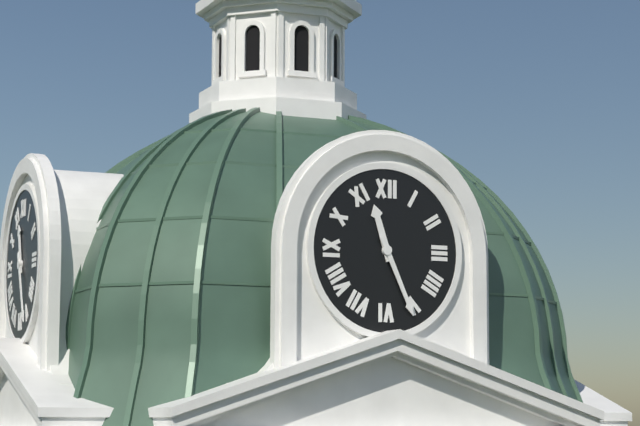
11:26
